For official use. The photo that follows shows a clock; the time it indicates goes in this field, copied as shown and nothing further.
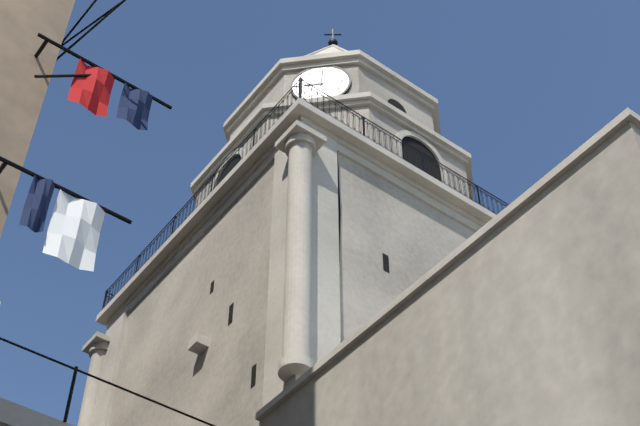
9:01
